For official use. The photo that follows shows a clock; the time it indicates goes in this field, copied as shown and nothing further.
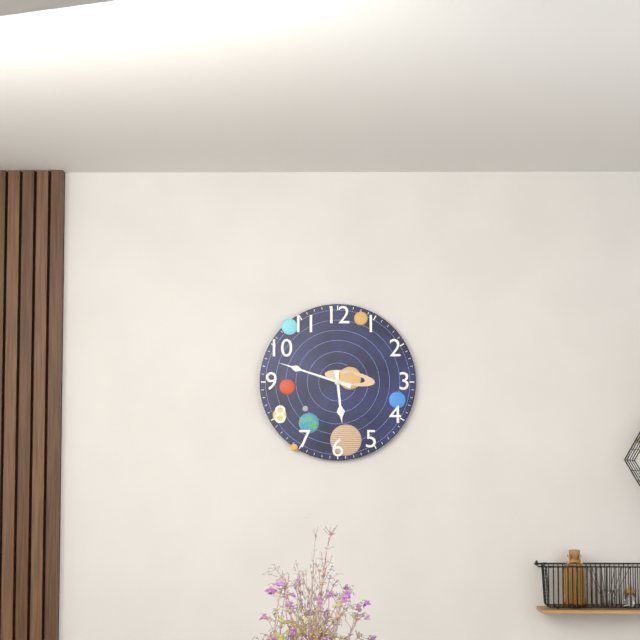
5:48
